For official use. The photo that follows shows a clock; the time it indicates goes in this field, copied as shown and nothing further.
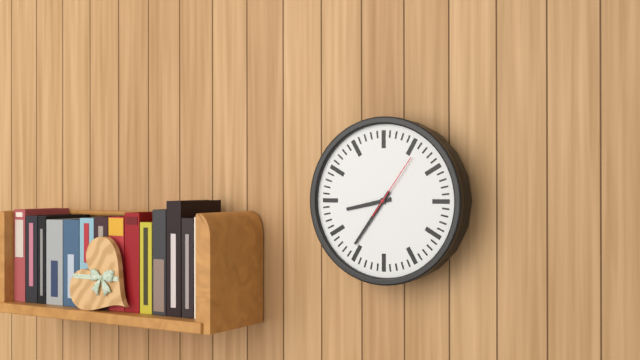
8:36:06
